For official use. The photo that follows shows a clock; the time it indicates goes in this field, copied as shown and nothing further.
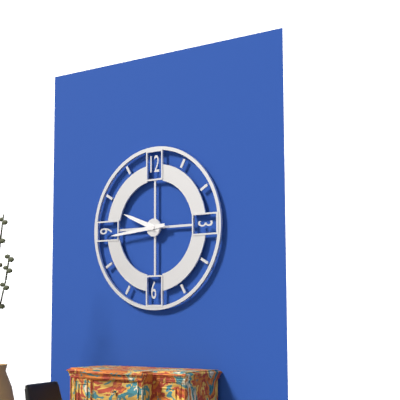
9:44
